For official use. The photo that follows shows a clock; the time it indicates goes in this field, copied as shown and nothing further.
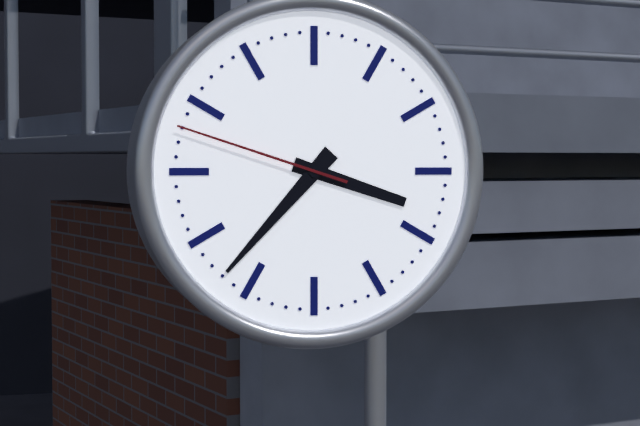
3:37:48
